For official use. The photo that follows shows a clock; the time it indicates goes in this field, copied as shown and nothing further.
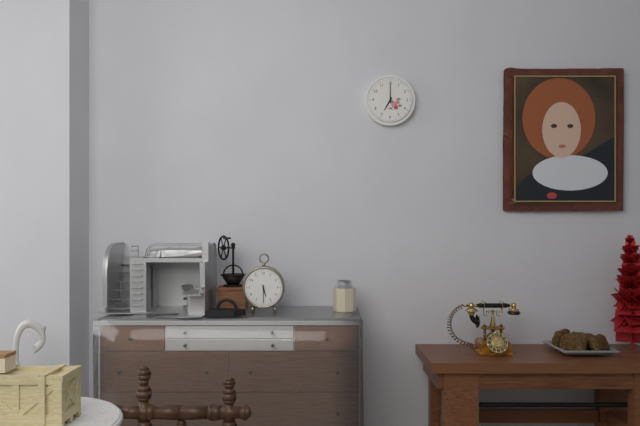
7:00
